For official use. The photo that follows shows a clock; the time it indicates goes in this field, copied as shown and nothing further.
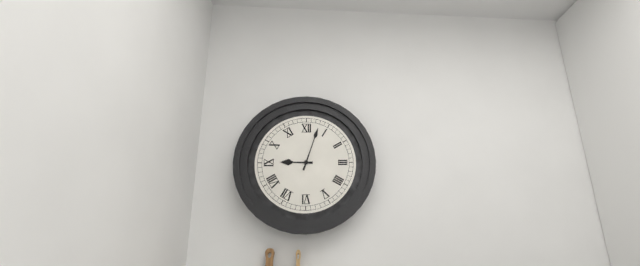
9:03
